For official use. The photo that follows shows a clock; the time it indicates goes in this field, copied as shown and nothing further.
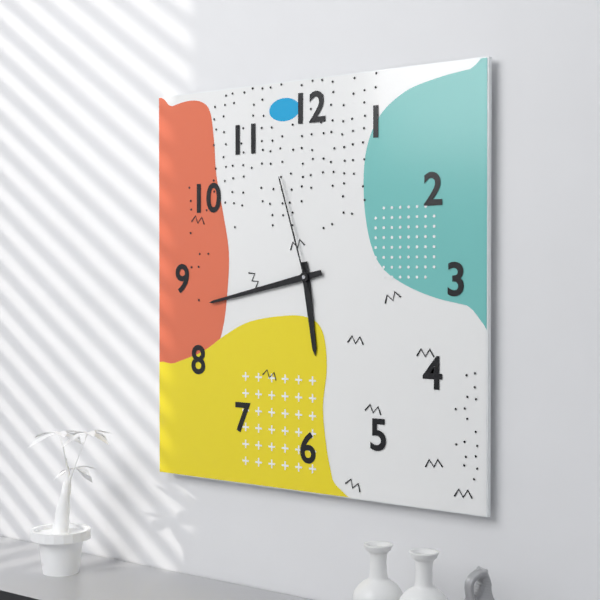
5:43:57
